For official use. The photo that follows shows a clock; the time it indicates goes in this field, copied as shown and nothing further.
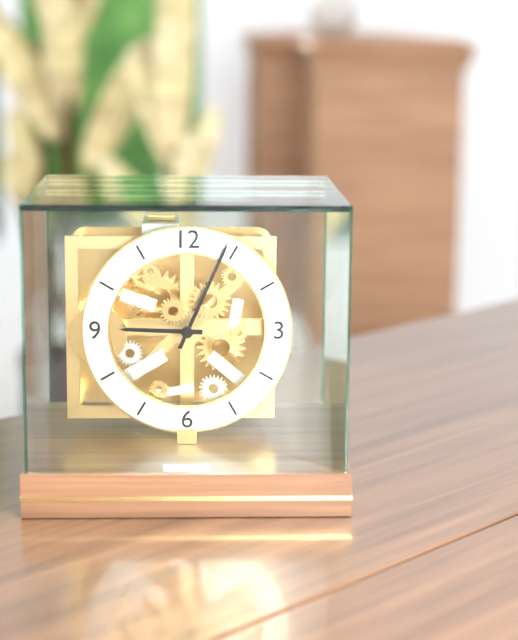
9:04
